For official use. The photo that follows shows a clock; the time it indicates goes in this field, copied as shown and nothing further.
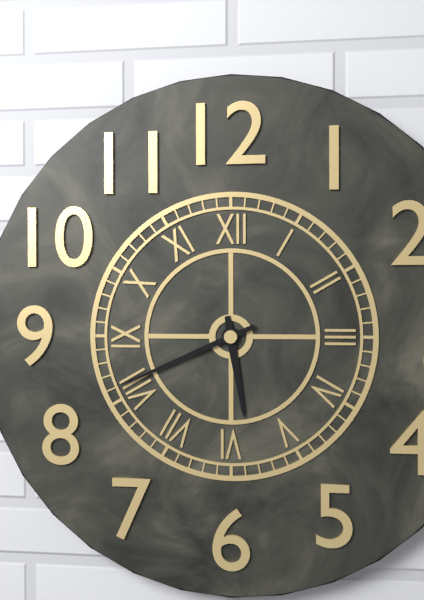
5:41
